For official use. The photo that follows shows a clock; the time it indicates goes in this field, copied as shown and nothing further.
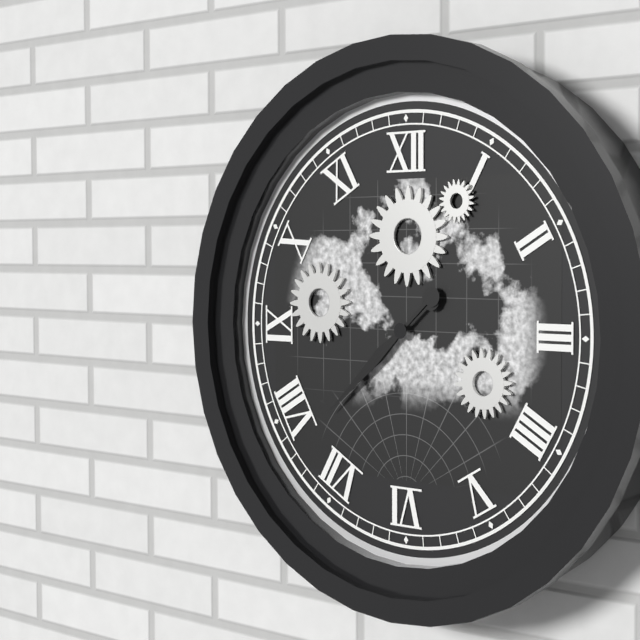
7:38
